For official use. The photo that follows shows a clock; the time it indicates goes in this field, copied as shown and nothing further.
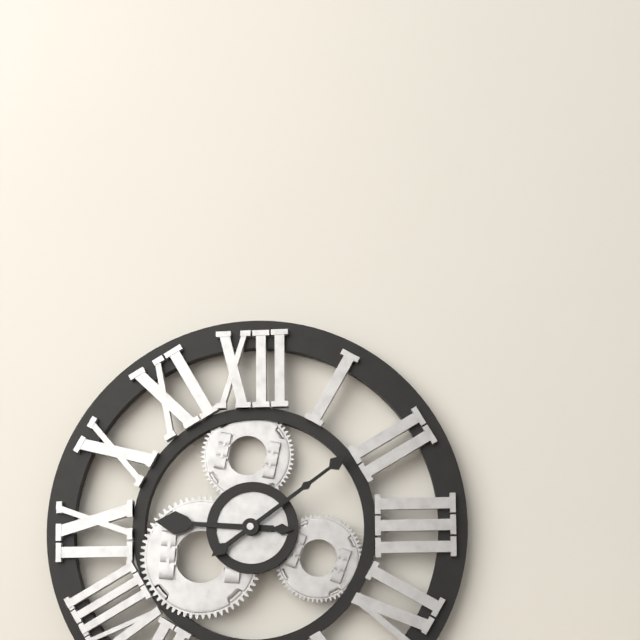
9:09
